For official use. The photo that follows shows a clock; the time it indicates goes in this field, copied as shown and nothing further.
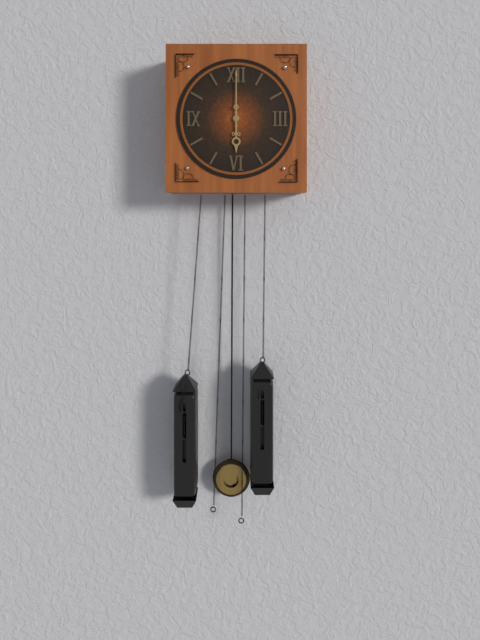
6:00
